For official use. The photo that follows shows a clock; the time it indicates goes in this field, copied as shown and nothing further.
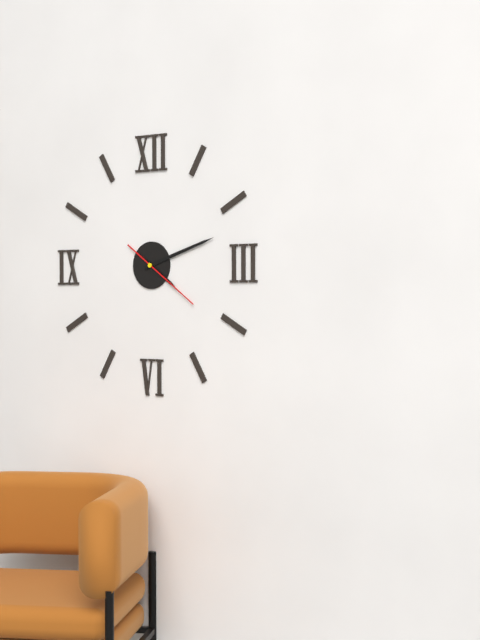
4:12:21
